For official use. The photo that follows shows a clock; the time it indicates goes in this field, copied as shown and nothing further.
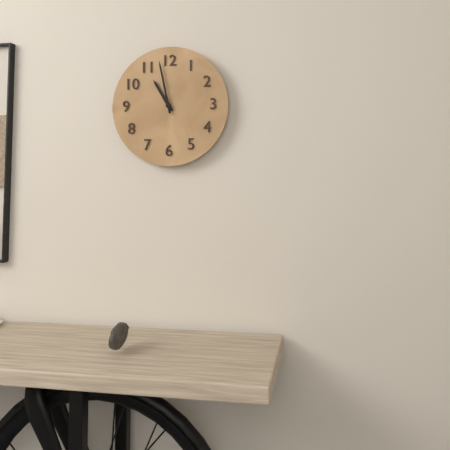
10:58
